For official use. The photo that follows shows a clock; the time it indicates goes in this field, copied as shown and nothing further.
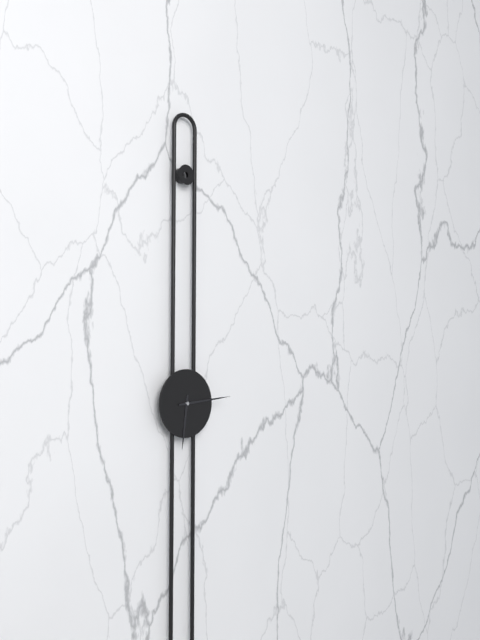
6:14
